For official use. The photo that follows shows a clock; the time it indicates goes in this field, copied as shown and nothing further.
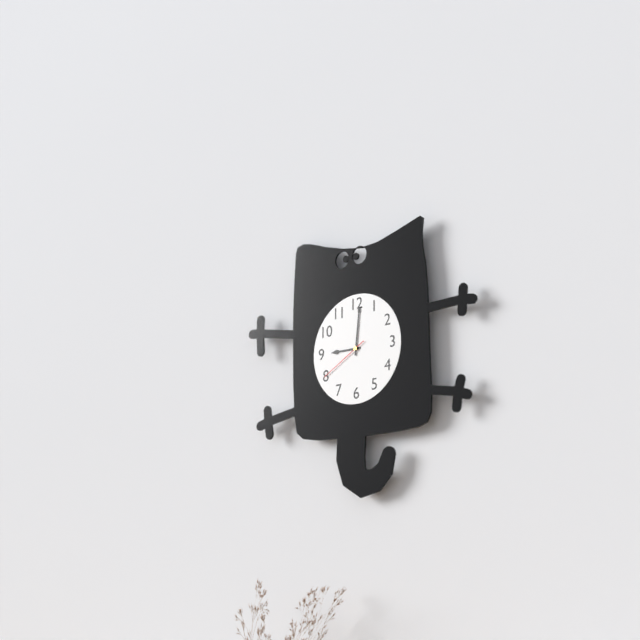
9:01:40
